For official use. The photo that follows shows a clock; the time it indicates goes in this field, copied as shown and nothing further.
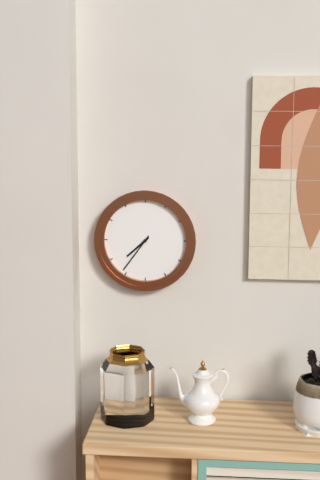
7:36
